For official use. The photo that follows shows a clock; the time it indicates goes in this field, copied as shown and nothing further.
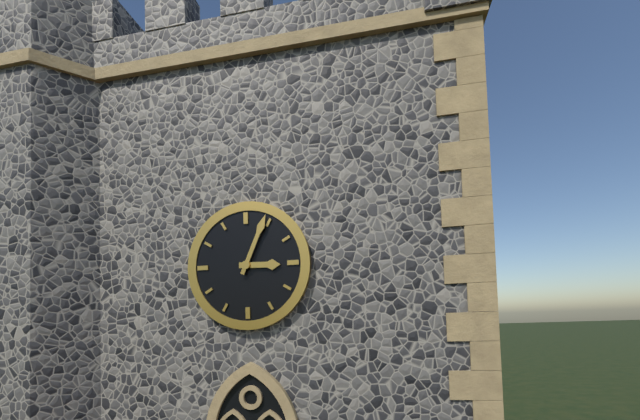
3:04
